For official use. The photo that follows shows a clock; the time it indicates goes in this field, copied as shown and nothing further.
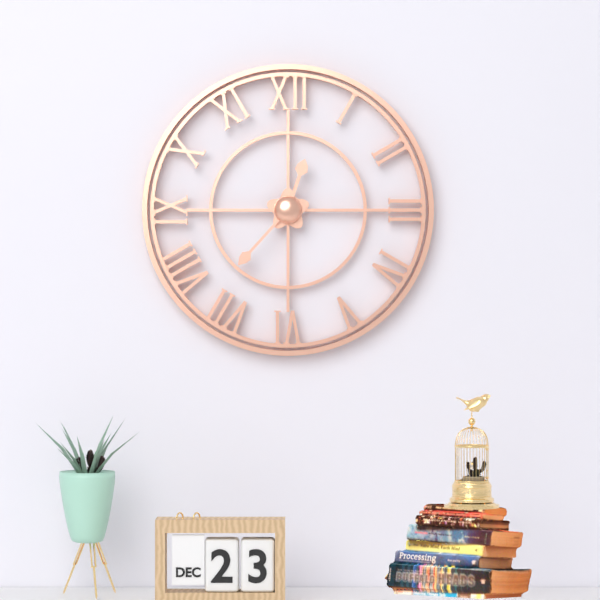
12:37
